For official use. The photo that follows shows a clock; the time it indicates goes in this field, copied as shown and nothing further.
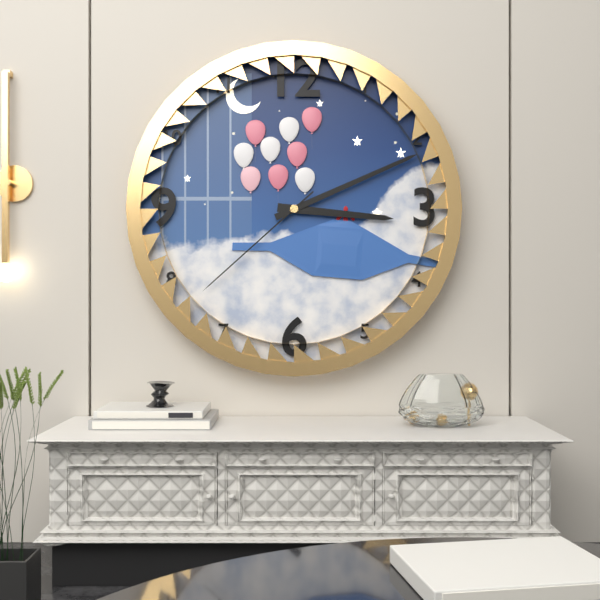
3:11:38
